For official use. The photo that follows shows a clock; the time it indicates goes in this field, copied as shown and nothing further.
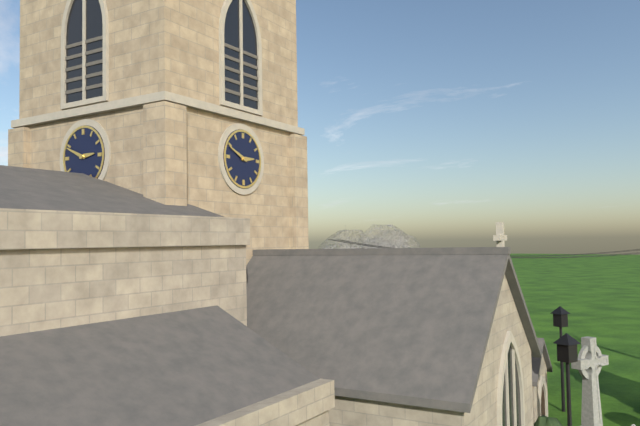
2:49
